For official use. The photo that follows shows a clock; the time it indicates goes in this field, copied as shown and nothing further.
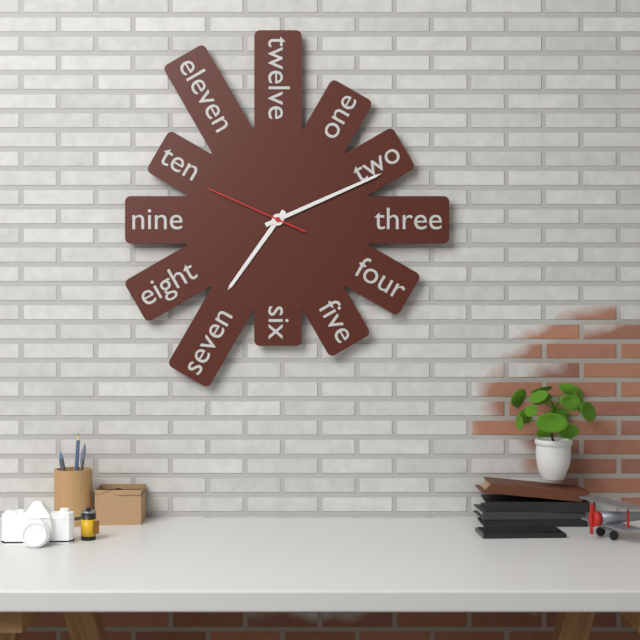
7:11:49
